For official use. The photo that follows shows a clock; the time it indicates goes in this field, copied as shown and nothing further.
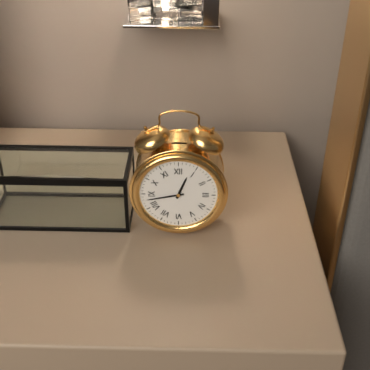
12:43
